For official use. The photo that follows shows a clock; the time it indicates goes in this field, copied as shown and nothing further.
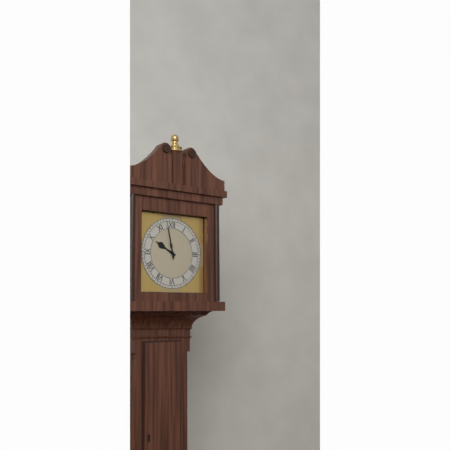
9:58
